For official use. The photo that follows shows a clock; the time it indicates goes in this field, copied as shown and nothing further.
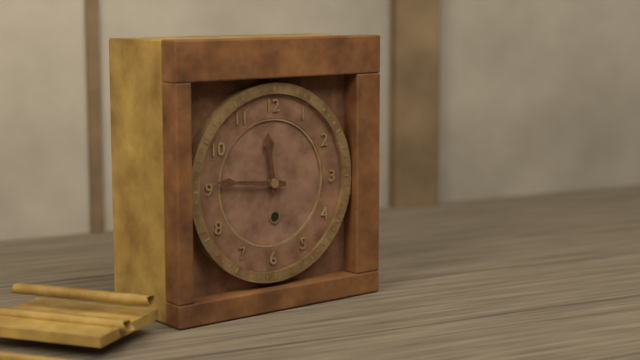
11:46
